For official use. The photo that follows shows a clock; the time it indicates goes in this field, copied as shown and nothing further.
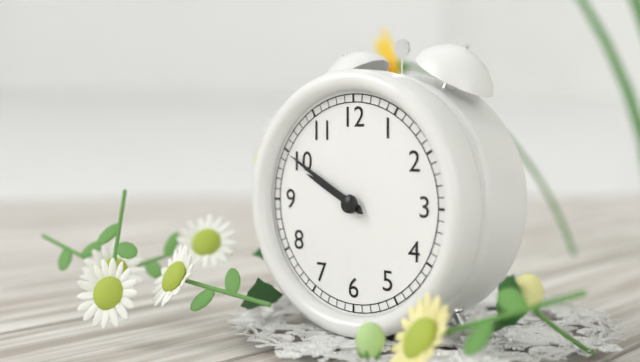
9:50
